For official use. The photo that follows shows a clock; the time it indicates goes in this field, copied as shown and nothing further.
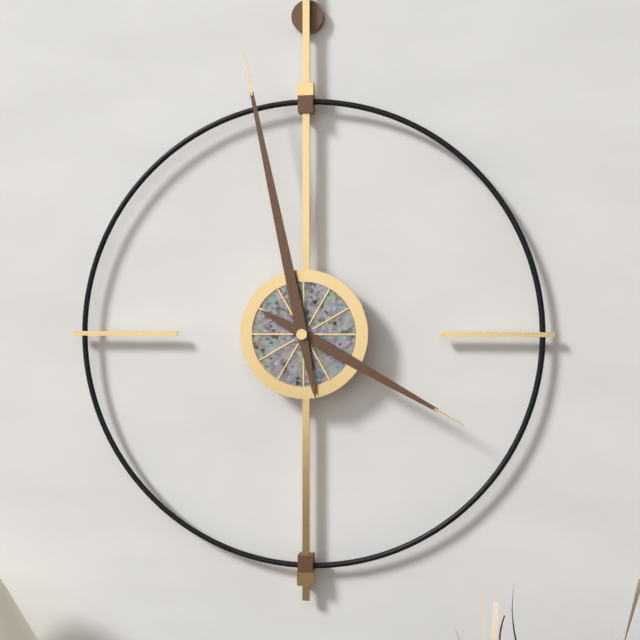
3:58
